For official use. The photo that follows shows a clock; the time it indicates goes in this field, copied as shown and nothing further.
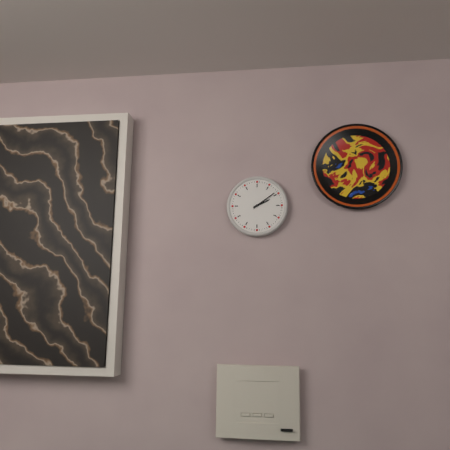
2:09
